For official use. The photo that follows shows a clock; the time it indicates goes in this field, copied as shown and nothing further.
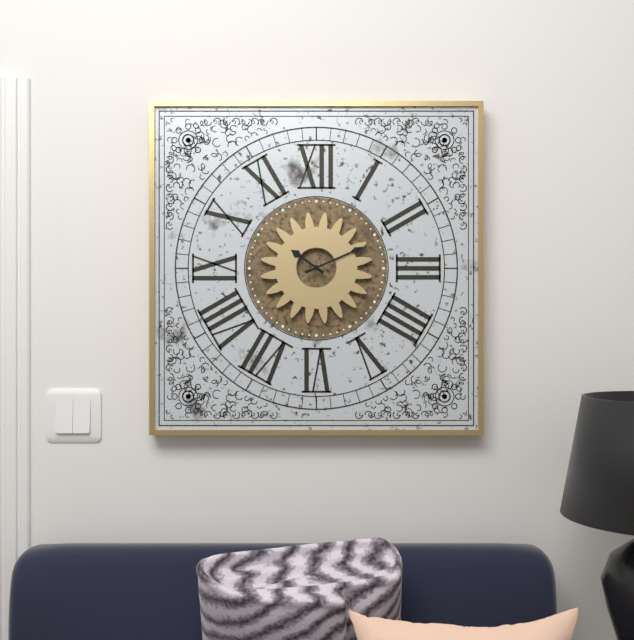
10:11
